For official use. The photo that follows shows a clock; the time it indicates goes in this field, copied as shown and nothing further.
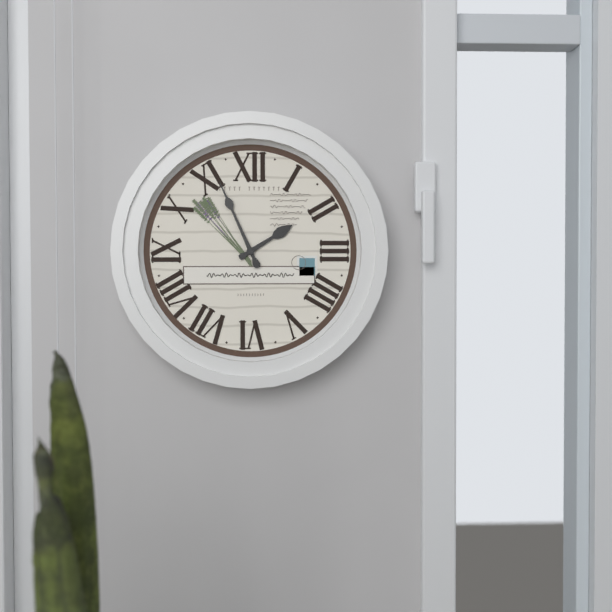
1:56
